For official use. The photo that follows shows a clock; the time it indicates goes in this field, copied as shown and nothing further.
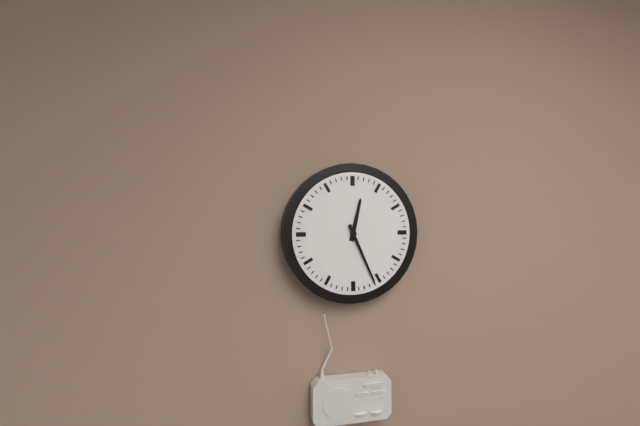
12:26
